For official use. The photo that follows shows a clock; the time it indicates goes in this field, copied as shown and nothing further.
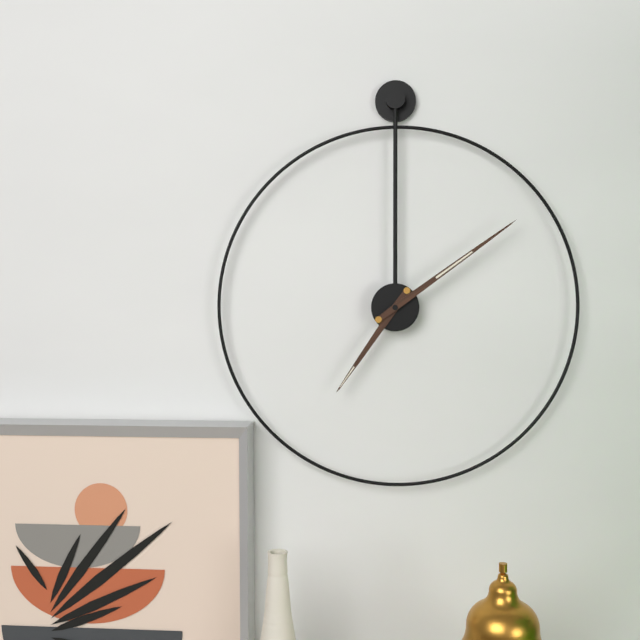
7:09
